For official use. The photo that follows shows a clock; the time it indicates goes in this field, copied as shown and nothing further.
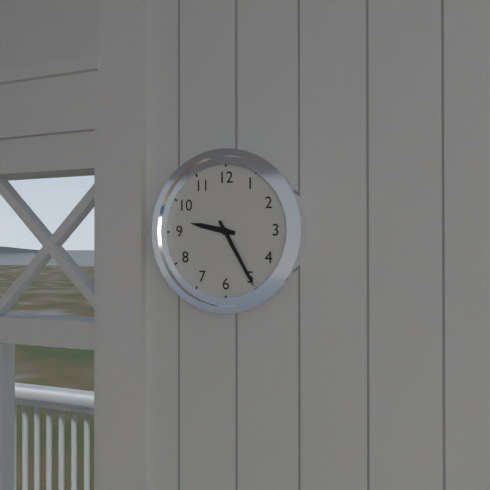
9:25
